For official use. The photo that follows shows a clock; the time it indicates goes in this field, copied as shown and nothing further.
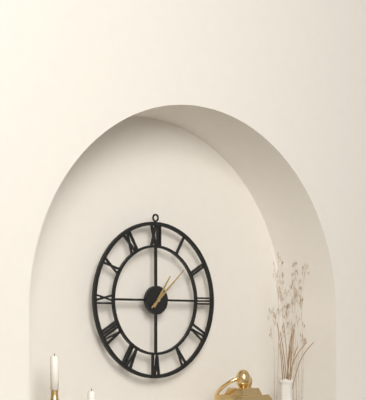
1:08
